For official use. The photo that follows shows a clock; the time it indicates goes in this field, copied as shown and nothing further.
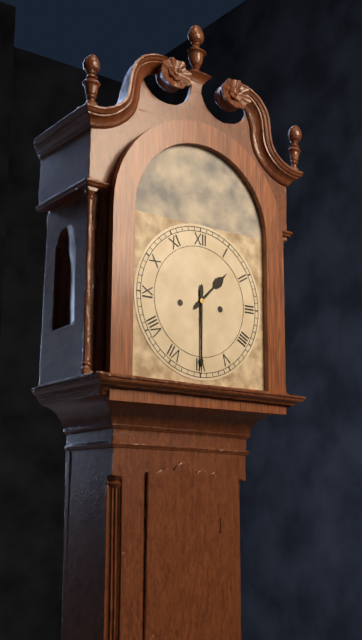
1:30
